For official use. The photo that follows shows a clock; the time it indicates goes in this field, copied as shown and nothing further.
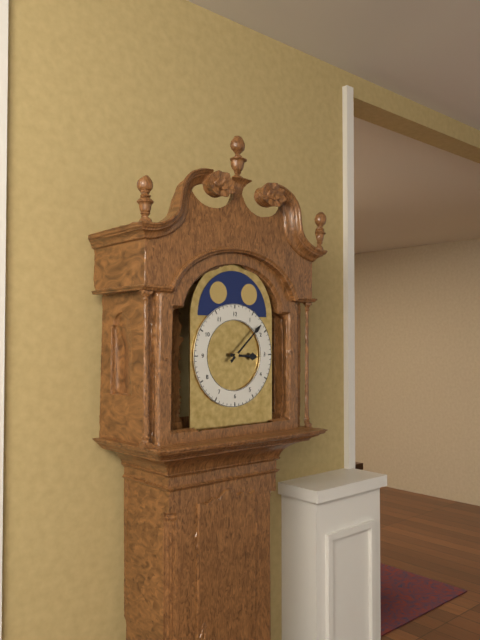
3:08
